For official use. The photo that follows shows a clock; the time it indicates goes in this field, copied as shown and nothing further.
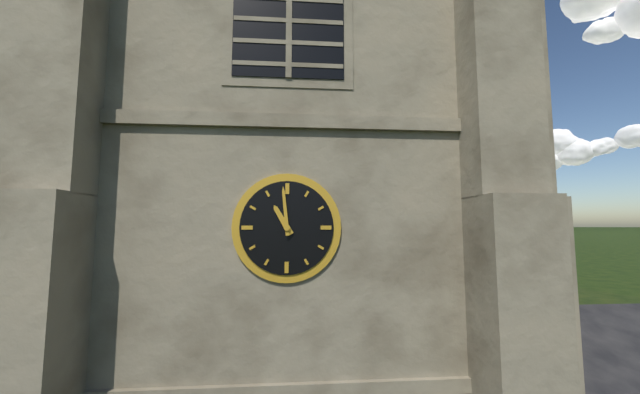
10:59
